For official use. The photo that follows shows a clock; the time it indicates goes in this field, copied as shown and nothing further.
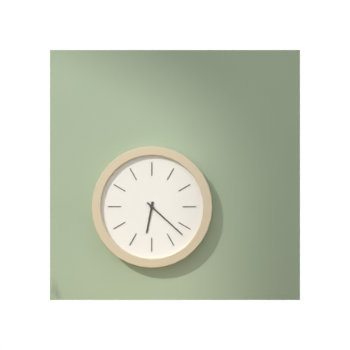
6:22
